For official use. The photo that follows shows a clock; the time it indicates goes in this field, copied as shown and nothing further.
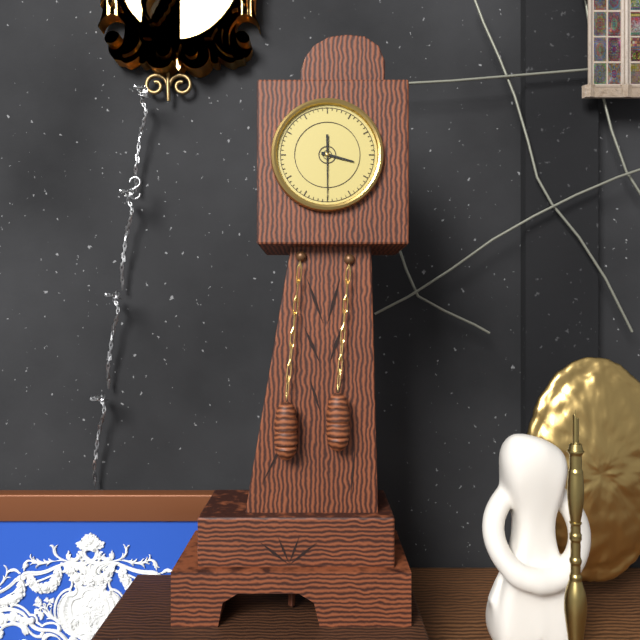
3:30
